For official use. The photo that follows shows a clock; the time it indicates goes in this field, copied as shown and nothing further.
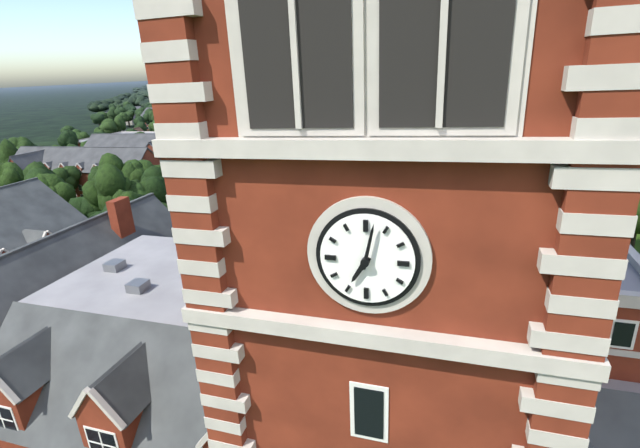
7:02
